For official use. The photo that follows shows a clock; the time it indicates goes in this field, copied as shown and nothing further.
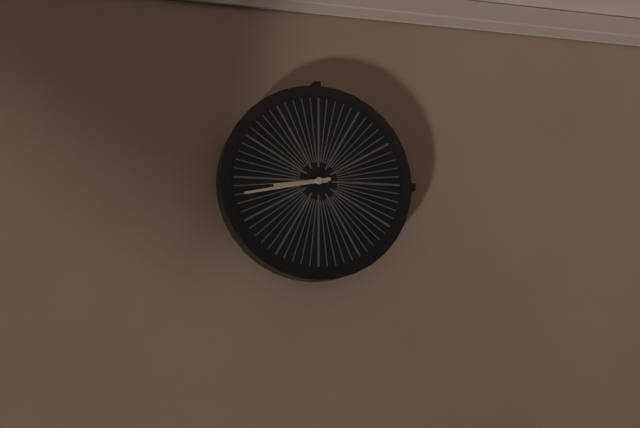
8:43
